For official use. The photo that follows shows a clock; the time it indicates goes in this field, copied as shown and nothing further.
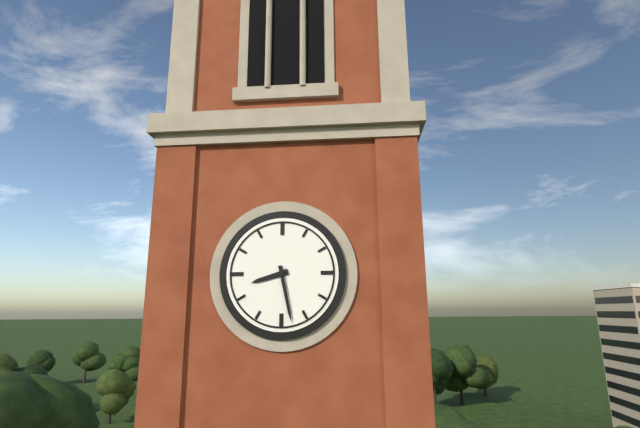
8:28
